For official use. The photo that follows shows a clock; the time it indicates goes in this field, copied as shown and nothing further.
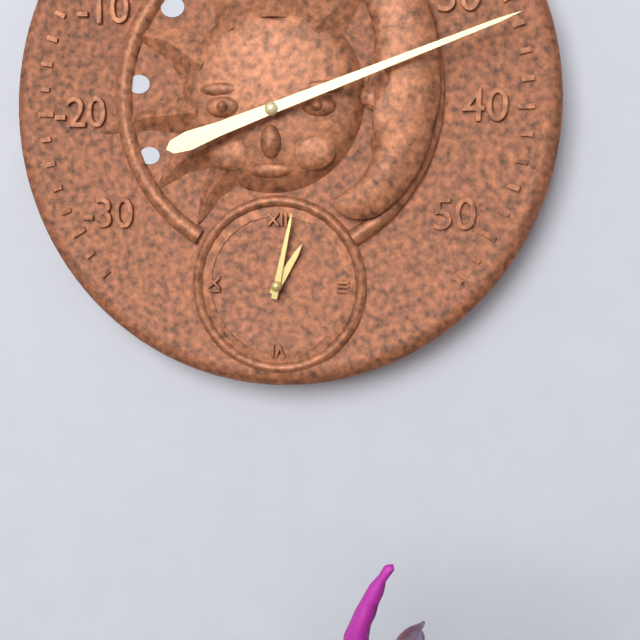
1:02
